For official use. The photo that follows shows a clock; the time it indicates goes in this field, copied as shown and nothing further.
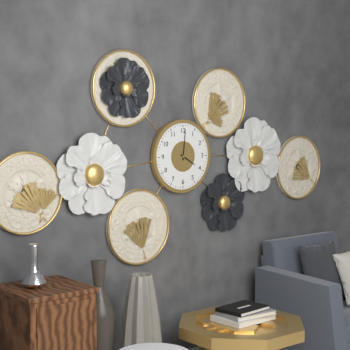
4:01
